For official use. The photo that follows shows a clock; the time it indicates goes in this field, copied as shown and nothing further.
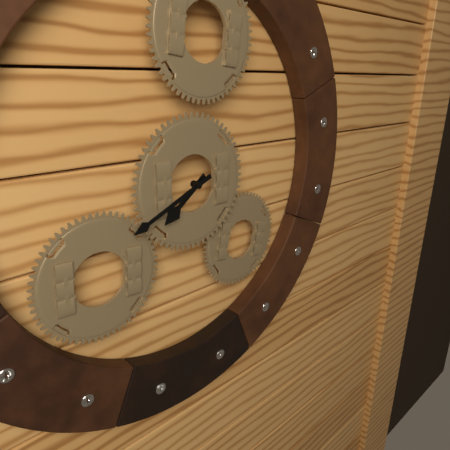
7:41
